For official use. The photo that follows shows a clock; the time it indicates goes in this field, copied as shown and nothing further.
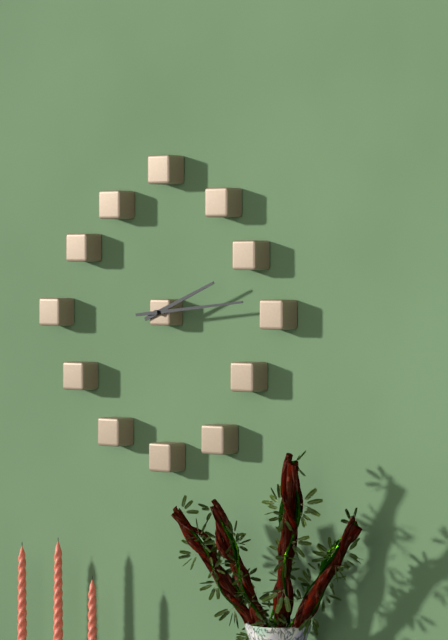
2:14
